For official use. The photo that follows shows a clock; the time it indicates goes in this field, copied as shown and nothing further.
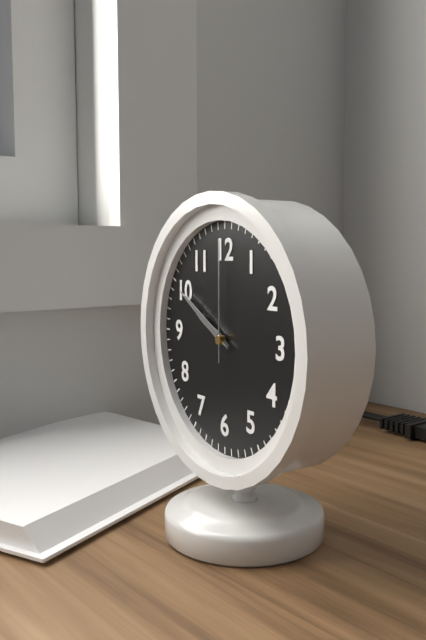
9:50:00
